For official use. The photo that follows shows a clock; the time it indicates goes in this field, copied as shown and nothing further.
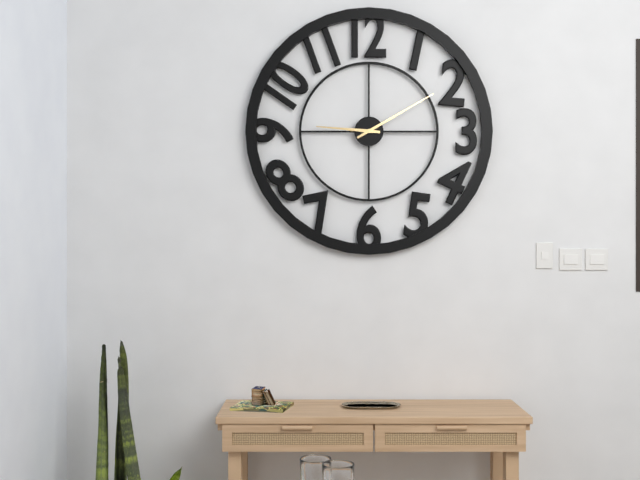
9:10
